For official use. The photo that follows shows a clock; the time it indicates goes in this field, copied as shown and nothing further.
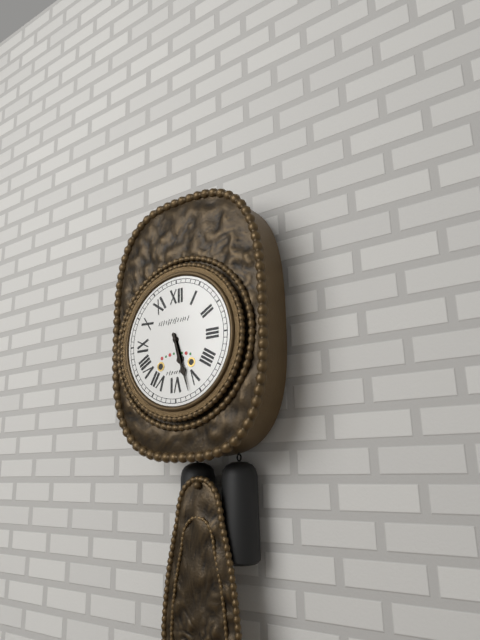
5:27
